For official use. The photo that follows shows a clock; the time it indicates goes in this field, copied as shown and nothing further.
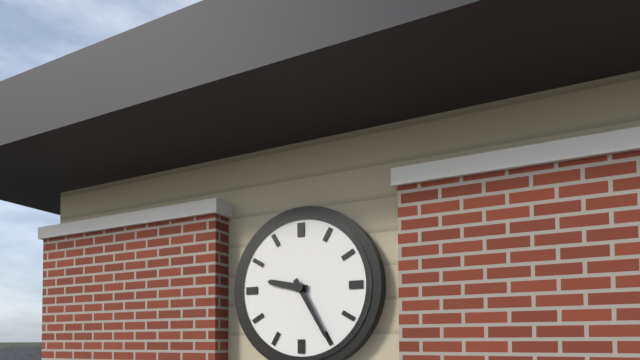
9:25
